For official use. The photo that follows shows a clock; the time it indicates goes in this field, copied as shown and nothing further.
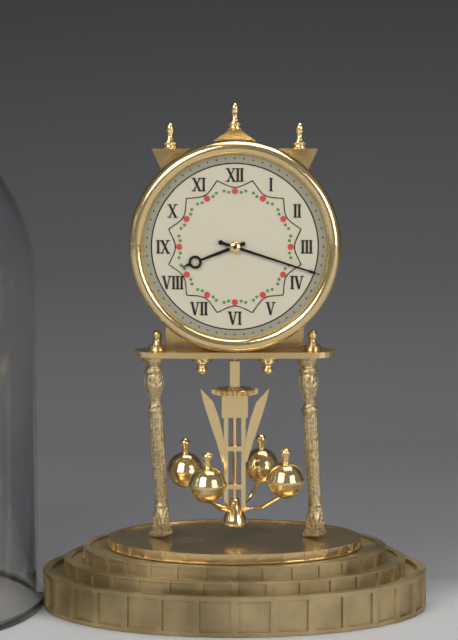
8:18
